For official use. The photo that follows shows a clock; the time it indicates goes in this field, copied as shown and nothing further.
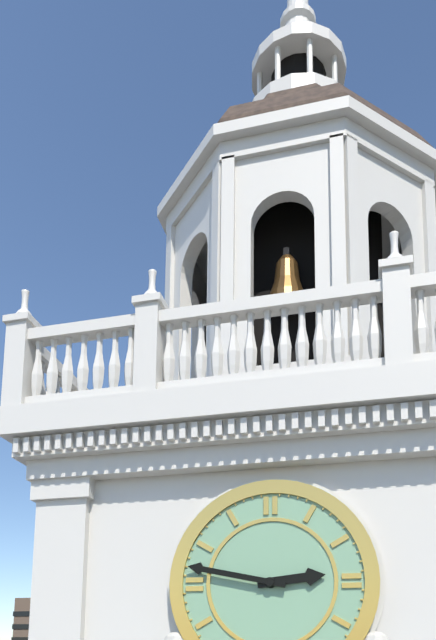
2:47
